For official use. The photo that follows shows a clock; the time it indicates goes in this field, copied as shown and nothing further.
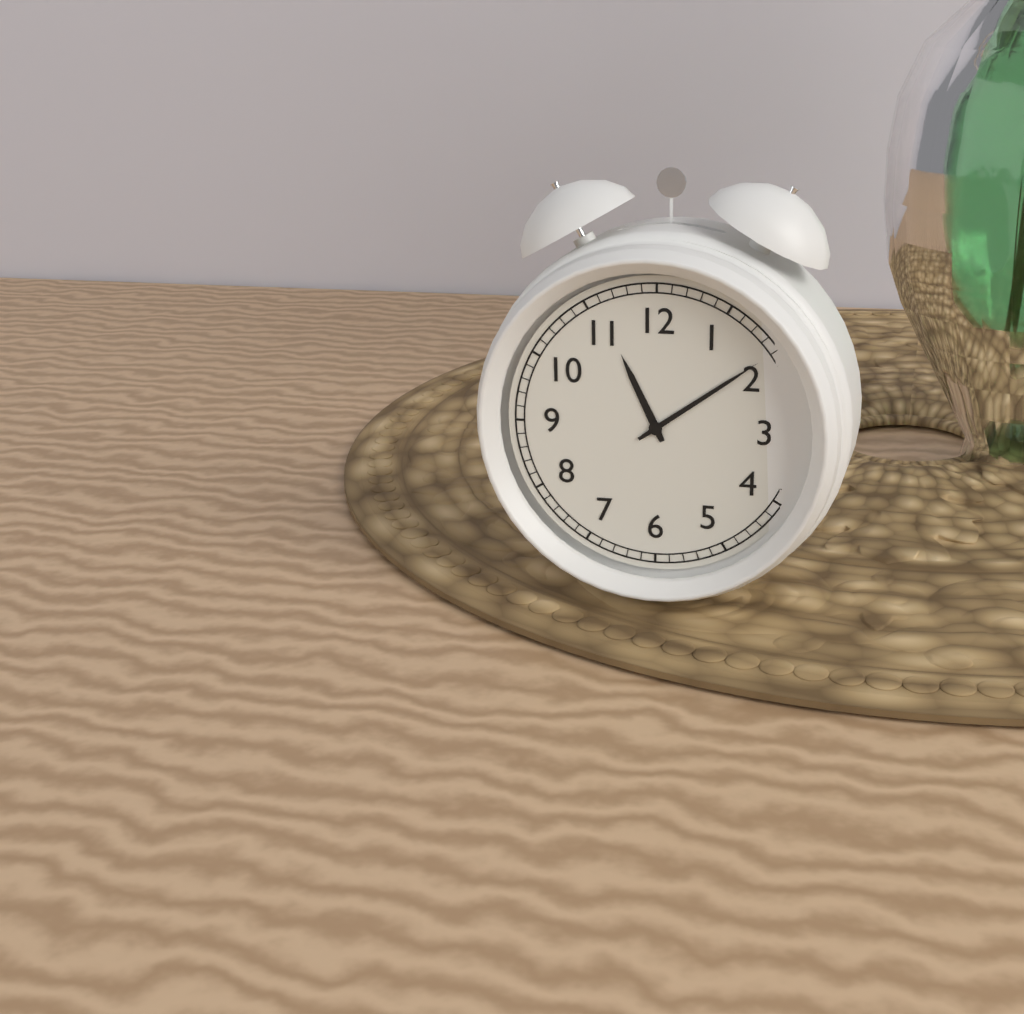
11:09
